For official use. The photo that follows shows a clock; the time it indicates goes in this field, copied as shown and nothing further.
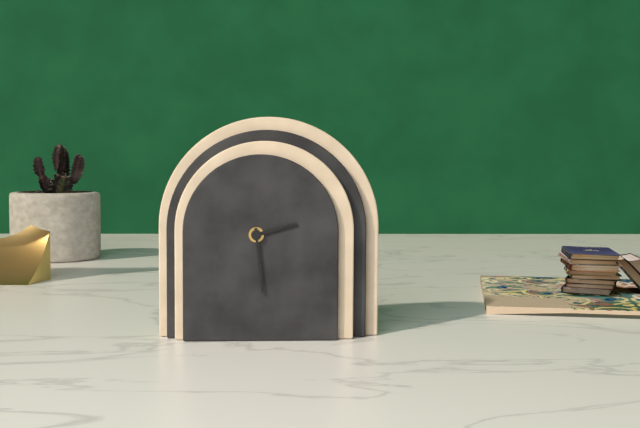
2:29
